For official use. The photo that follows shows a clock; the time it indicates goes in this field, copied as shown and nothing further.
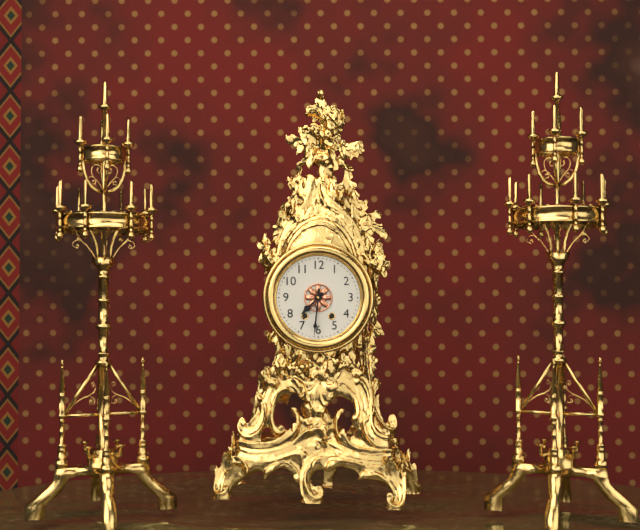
7:31
